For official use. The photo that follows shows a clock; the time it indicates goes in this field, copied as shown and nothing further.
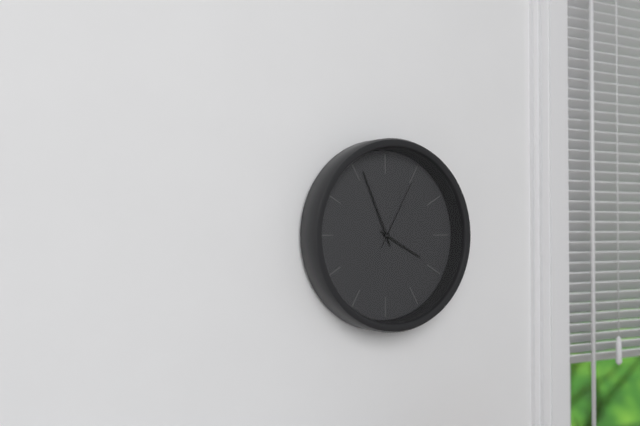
3:56:05
